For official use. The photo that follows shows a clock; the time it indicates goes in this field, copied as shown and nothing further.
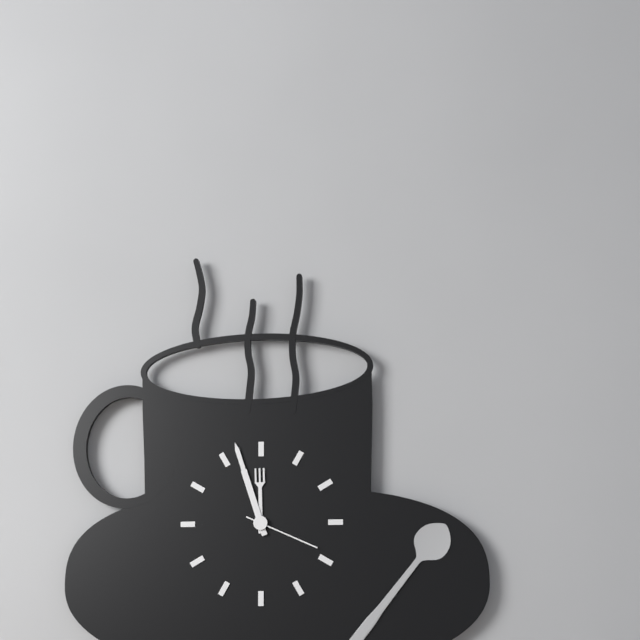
11:57:19
